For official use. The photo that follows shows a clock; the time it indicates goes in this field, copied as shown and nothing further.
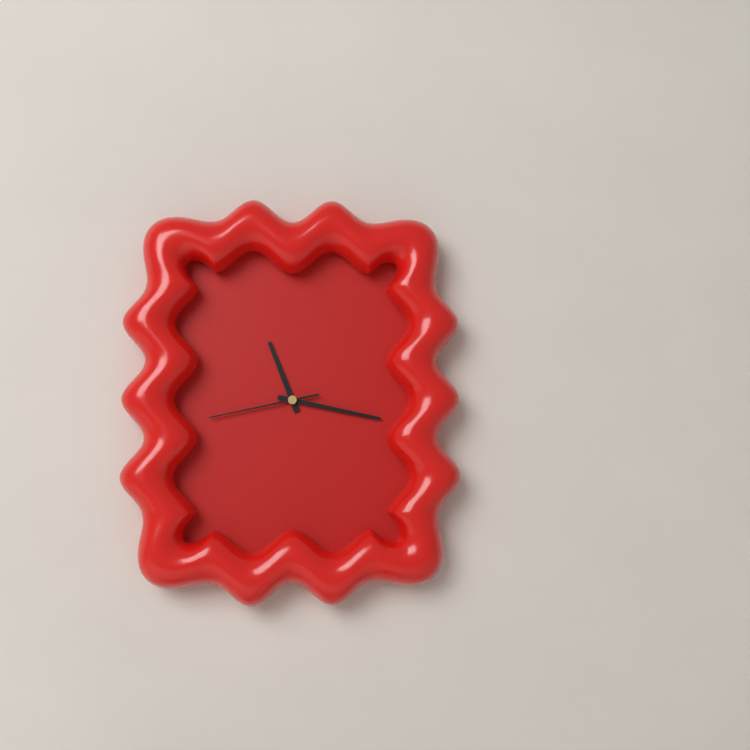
11:17:43
